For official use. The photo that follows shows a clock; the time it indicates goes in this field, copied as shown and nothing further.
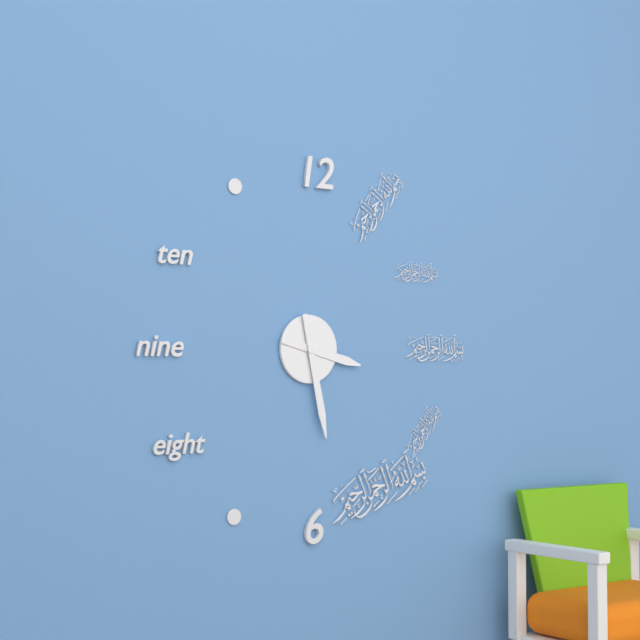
3:28
